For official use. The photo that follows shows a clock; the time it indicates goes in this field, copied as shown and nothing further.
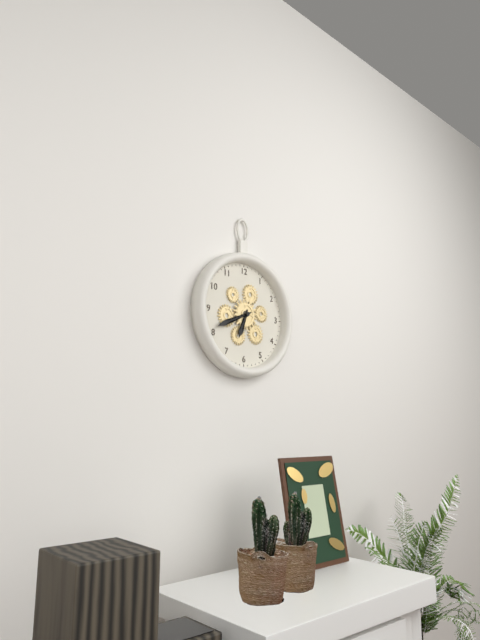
6:41
